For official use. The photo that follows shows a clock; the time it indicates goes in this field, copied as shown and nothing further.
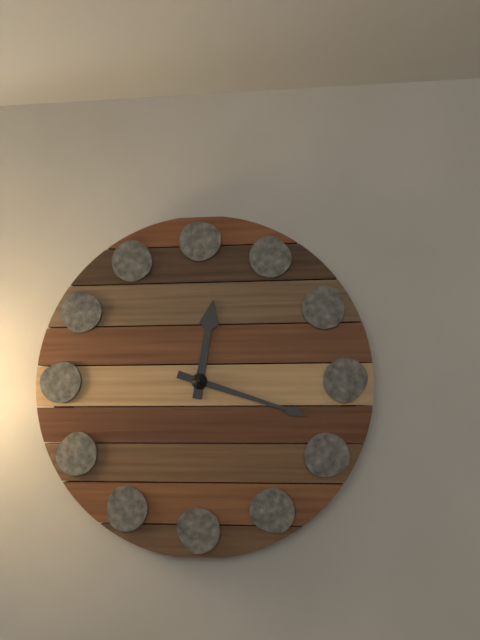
12:18
